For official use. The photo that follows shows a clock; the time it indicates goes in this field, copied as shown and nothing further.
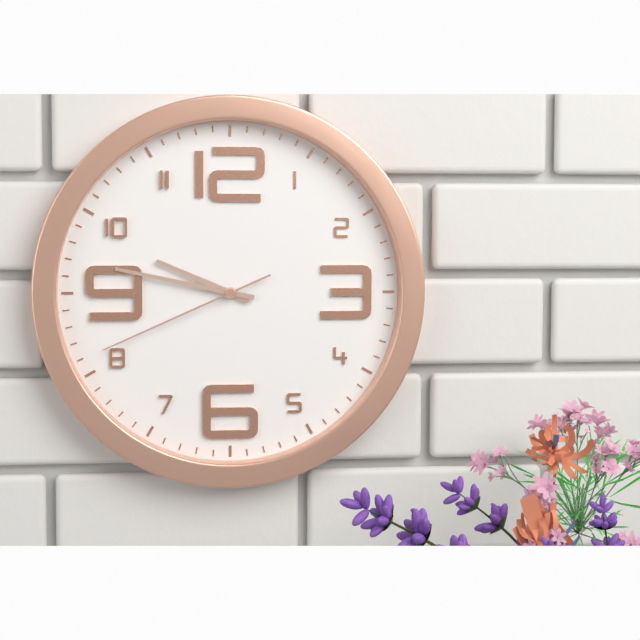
9:47:41
